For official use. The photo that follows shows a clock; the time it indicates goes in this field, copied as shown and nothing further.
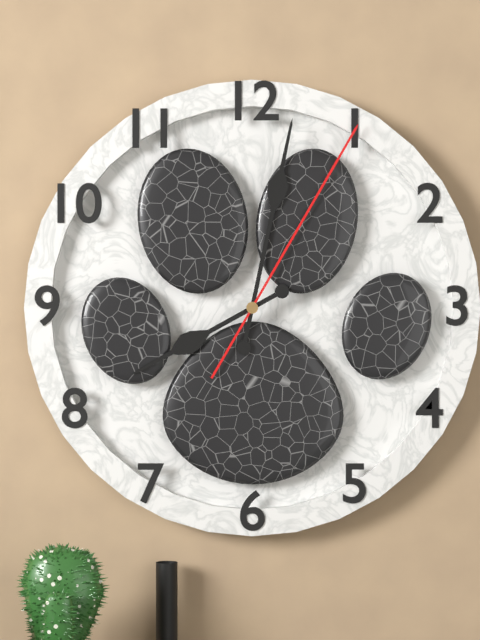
8:02:05
